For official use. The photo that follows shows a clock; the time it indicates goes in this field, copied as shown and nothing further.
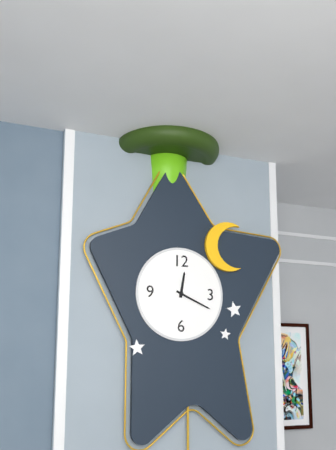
12:19
